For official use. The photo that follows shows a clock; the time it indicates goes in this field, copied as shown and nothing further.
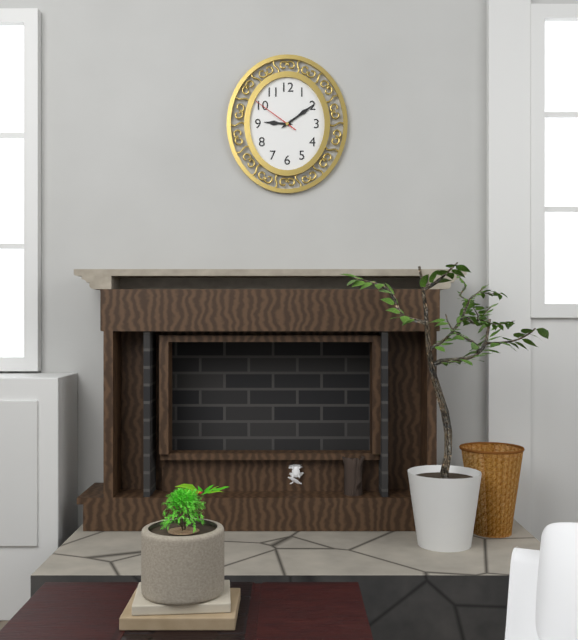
9:09:51
